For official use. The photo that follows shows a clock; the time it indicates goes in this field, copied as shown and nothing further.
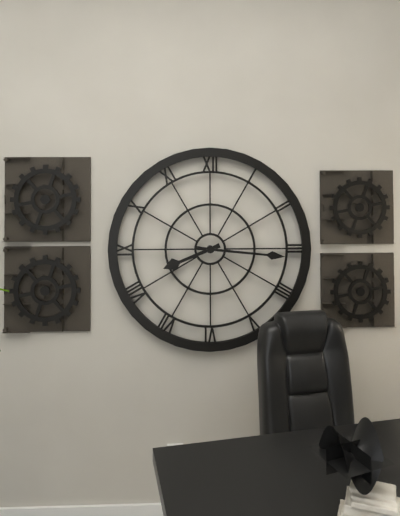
8:16
